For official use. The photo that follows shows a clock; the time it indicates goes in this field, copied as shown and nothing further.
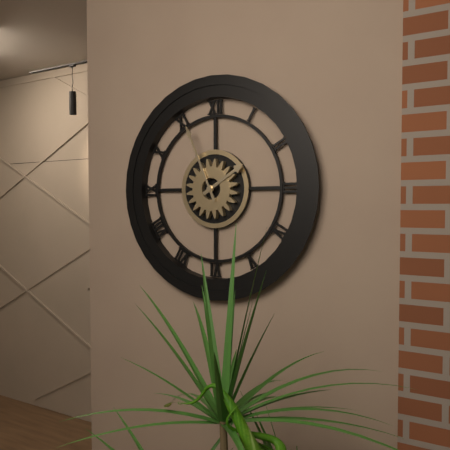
1:56
